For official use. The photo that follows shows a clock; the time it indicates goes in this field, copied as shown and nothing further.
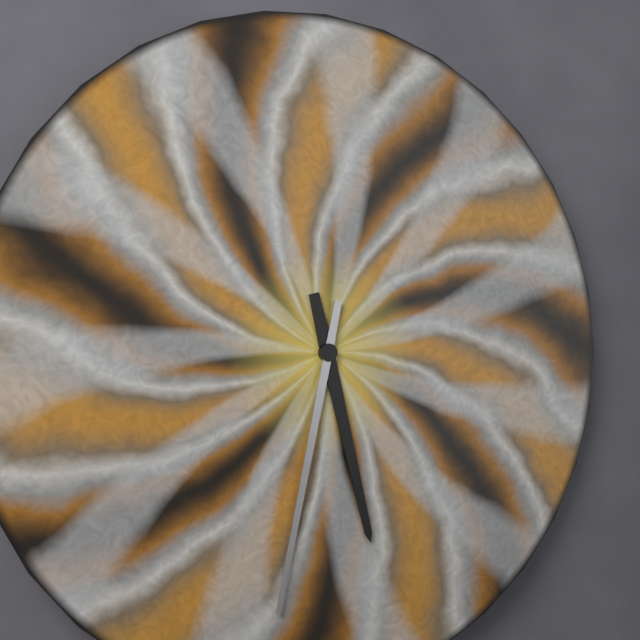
5:32
